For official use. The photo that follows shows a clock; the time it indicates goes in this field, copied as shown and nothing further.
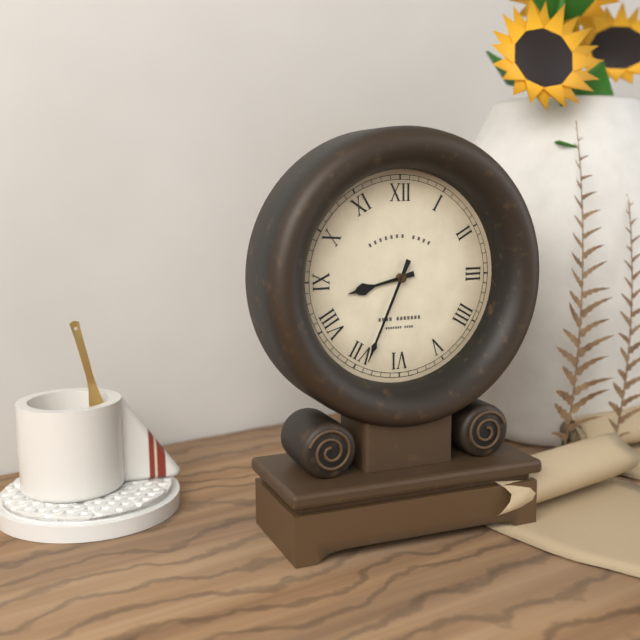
8:34
